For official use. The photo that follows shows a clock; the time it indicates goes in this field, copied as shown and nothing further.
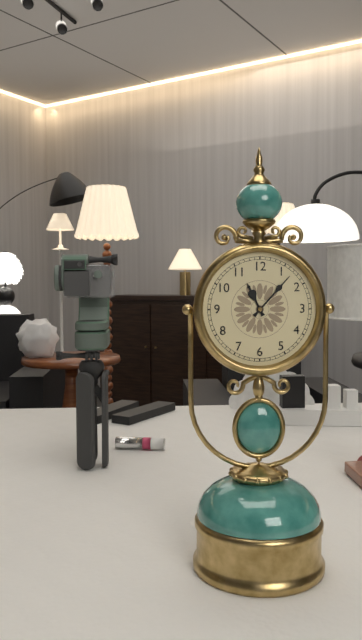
11:07
